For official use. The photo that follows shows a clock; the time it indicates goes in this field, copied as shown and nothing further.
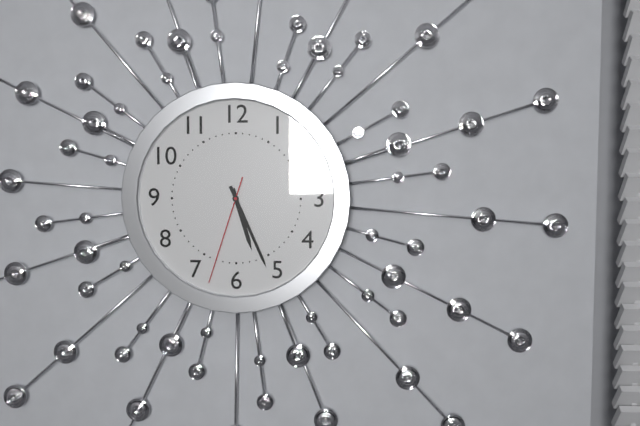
5:26:33
